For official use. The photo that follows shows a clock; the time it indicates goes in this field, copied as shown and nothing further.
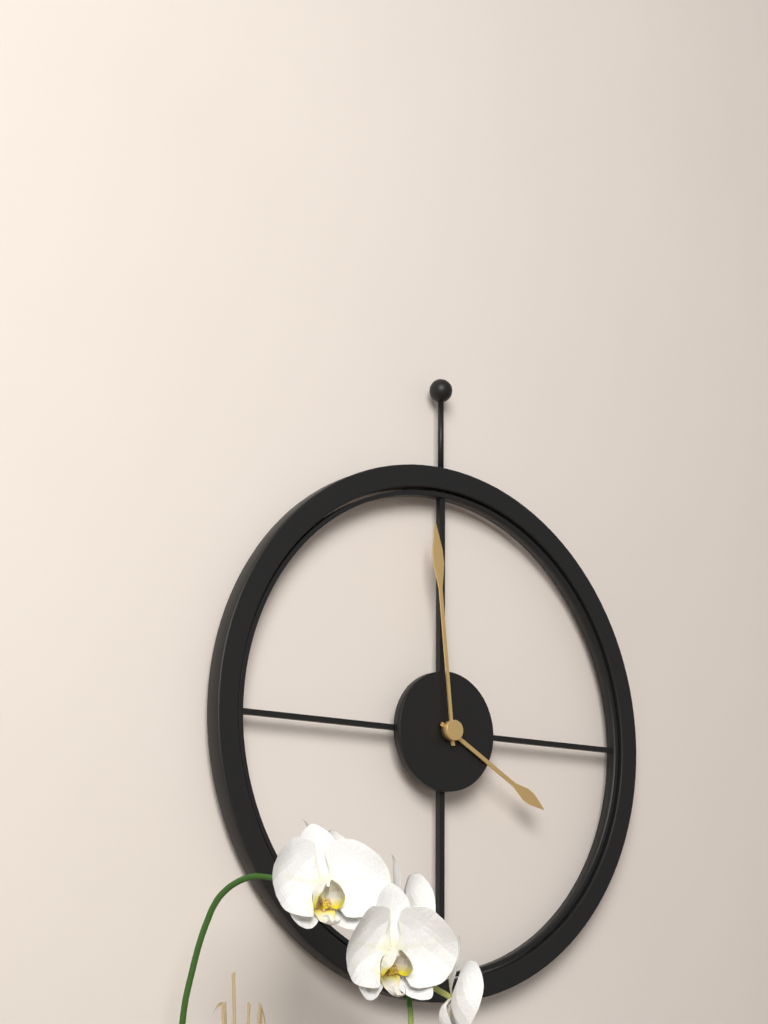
3:59
